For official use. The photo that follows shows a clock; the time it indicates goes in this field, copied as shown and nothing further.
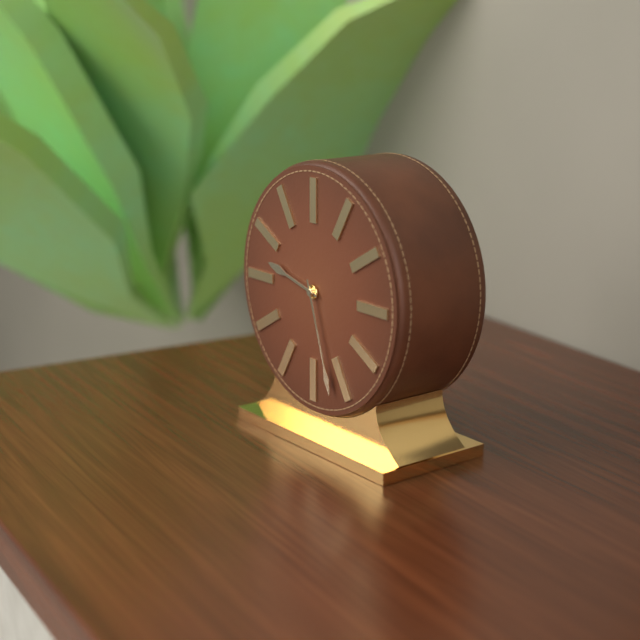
9:27
